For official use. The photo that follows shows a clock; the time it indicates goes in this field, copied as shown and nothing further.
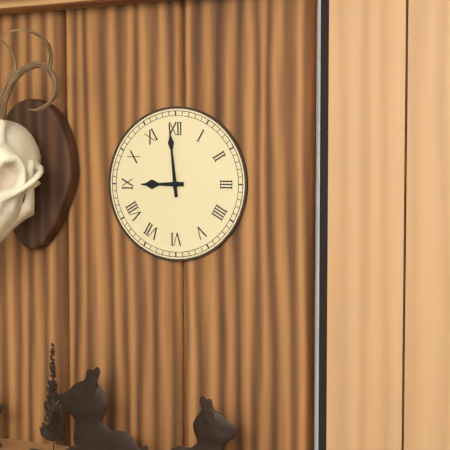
8:59
